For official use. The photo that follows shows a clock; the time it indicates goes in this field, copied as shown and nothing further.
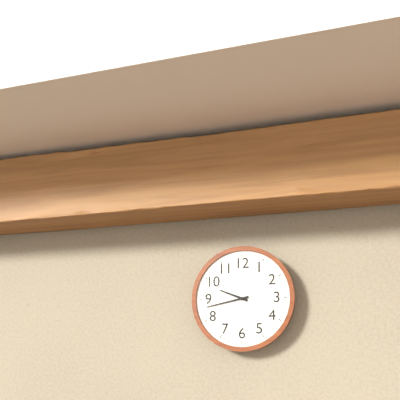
9:43
